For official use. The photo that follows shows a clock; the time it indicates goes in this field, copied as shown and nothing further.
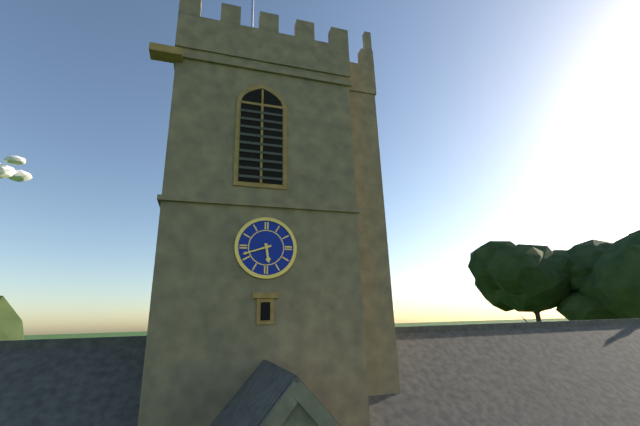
5:42
